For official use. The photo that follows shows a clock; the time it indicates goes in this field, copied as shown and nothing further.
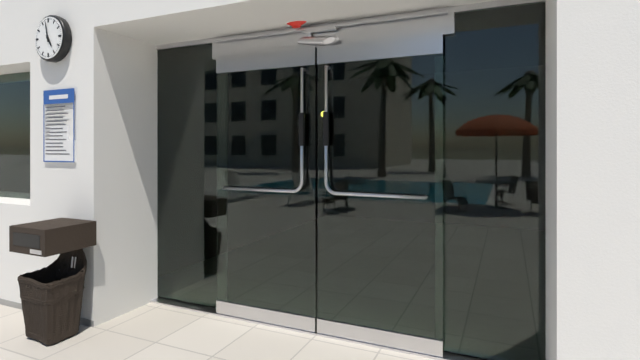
4:58
